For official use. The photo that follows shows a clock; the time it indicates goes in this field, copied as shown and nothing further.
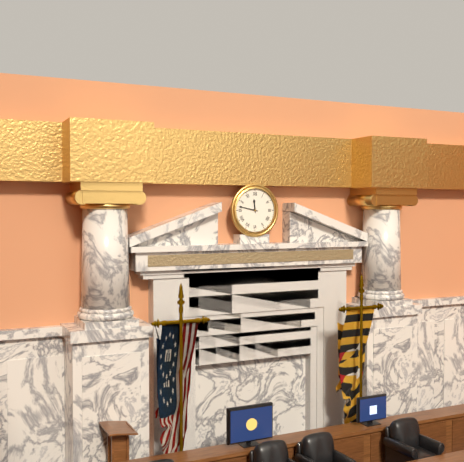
11:47
